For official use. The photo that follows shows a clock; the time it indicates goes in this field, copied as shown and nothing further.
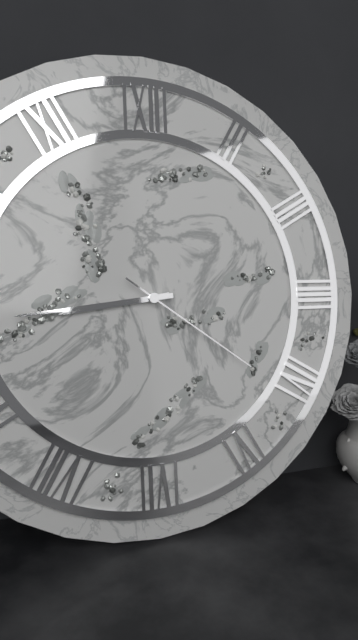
8:44:21
